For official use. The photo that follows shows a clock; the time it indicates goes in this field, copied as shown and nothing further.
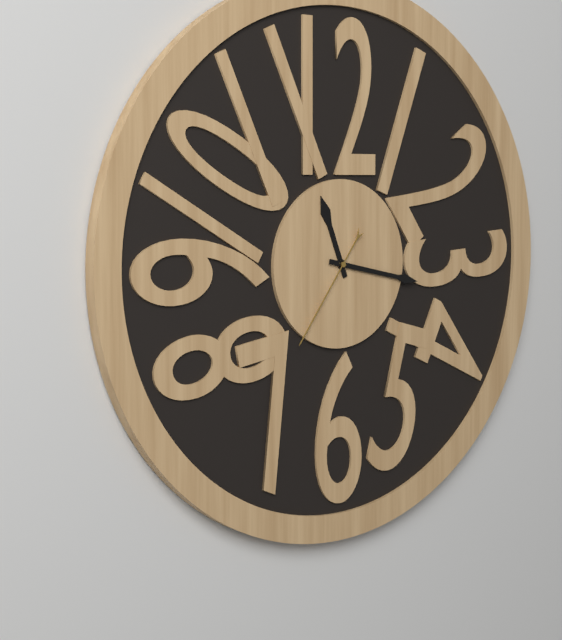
11:17:36
